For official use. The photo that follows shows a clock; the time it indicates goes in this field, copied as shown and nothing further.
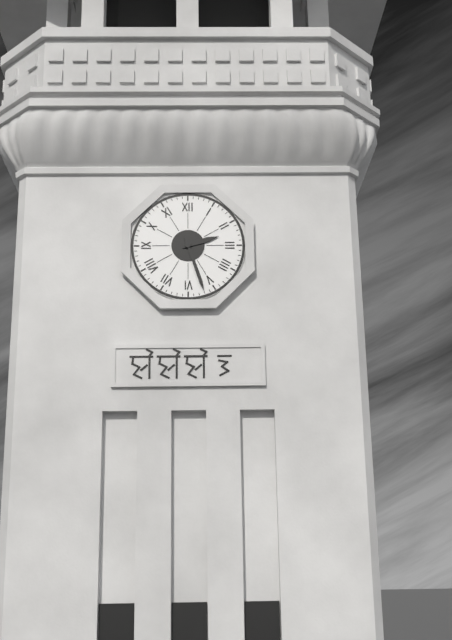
2:27
